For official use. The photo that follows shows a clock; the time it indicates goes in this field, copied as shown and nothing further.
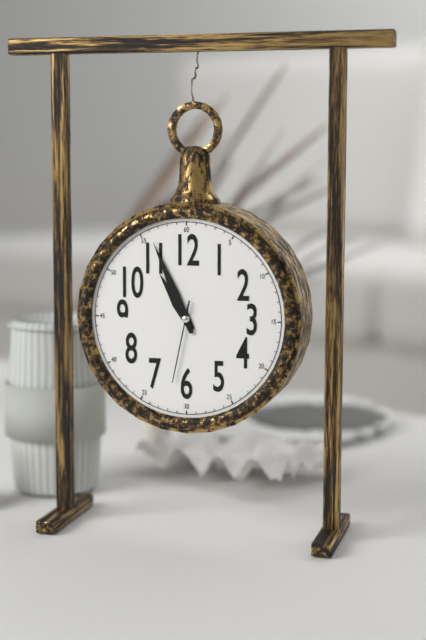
10:56:32
